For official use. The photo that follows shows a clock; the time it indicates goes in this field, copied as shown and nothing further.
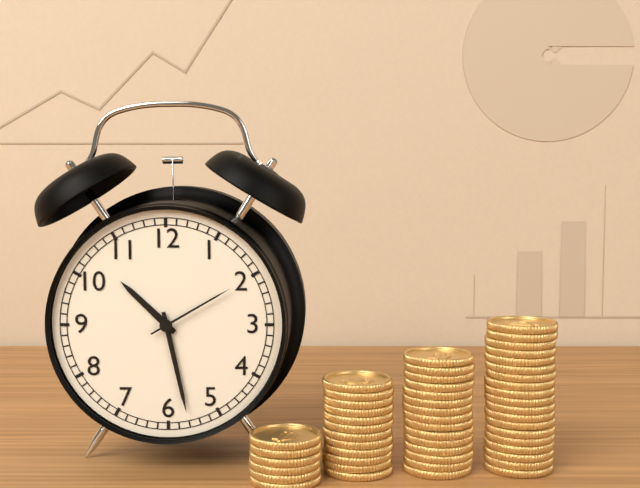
10:28:10
